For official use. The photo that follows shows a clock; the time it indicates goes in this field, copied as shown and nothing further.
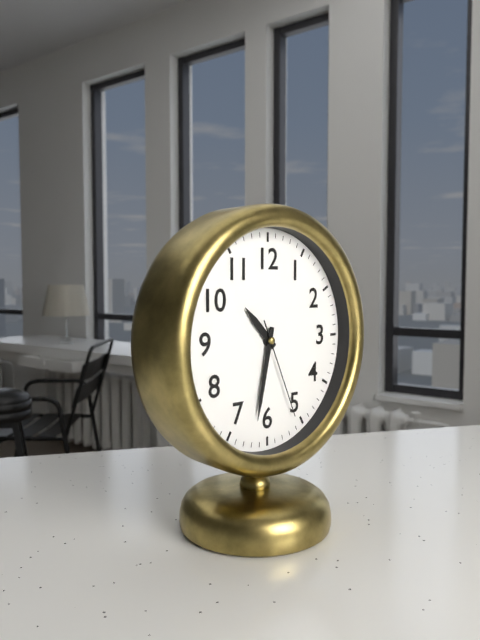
10:32:26
